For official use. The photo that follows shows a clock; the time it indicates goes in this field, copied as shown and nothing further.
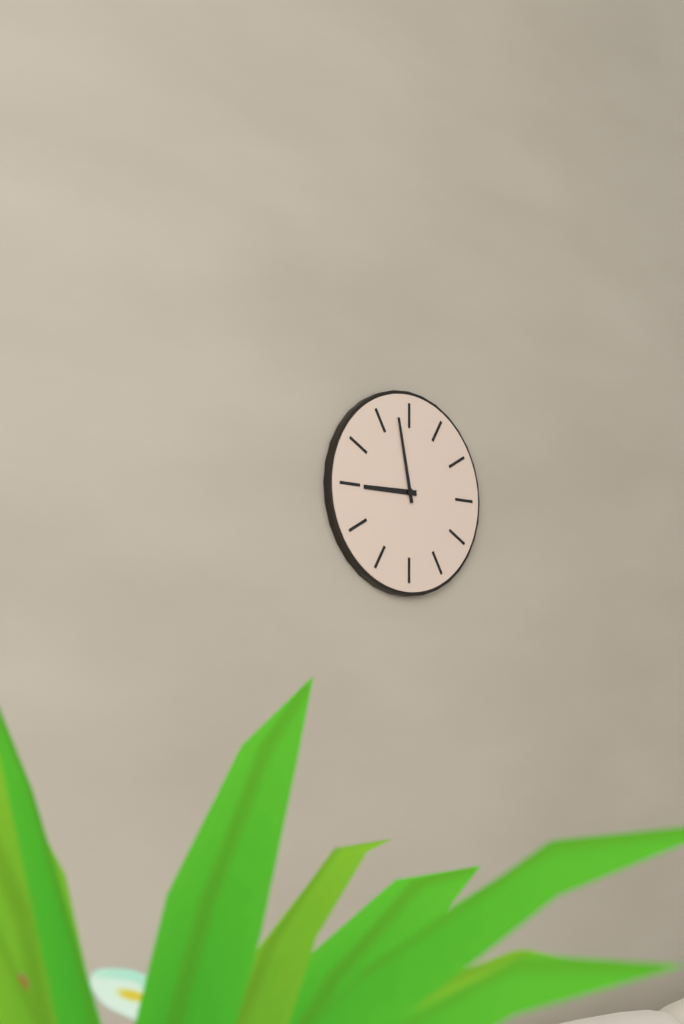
8:58
